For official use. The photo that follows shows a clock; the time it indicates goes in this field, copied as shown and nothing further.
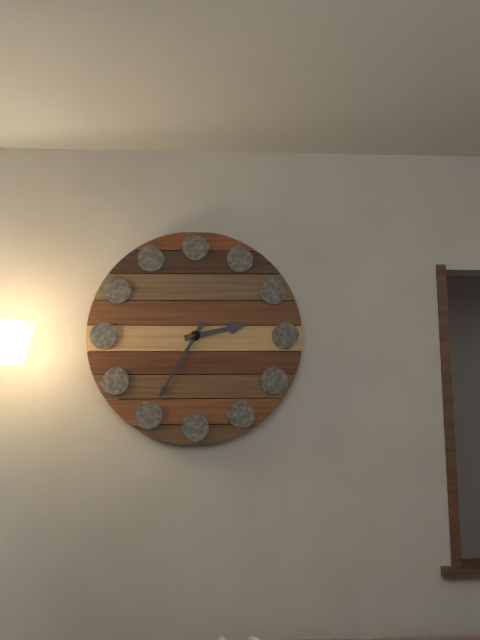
2:35
